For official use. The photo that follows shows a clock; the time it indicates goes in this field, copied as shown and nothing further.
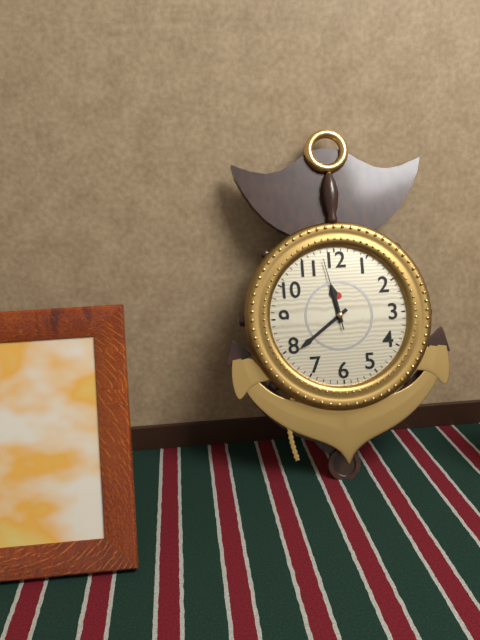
11:39:58
